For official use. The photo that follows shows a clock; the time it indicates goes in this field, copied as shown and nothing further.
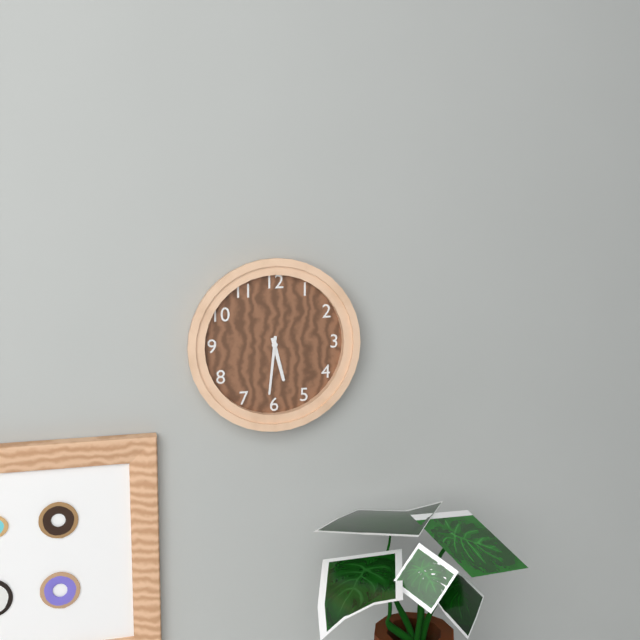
5:31
